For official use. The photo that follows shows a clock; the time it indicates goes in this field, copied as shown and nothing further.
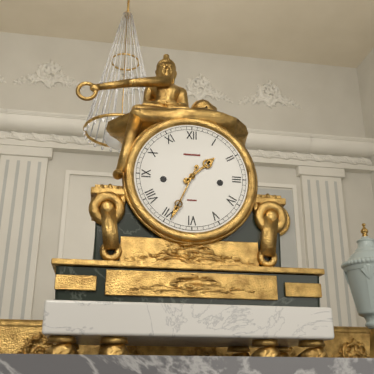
1:34
